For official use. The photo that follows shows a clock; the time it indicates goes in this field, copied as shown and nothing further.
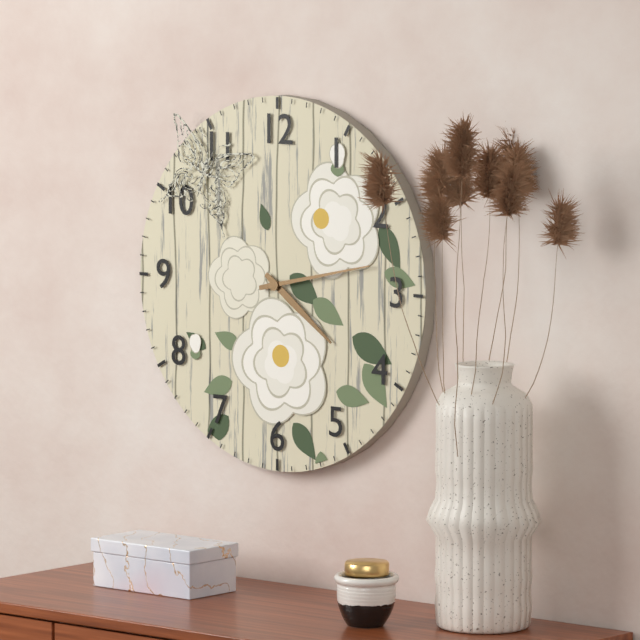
4:13
